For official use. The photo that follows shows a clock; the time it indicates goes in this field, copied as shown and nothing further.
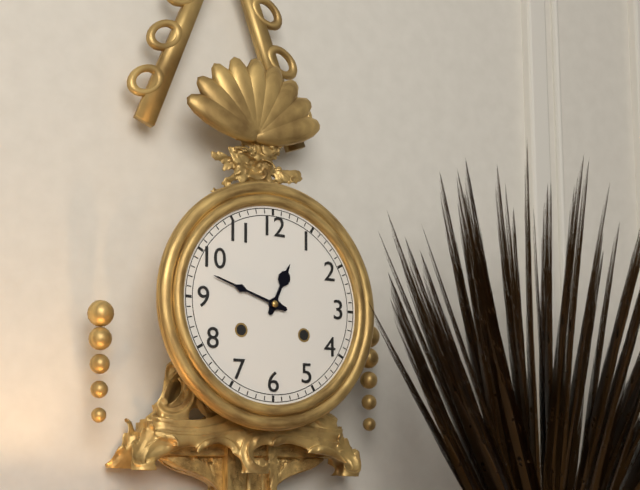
12:48
